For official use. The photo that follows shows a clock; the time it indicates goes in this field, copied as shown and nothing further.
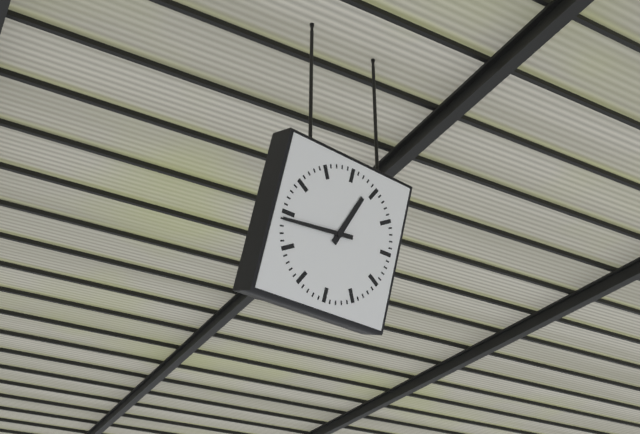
12:44
